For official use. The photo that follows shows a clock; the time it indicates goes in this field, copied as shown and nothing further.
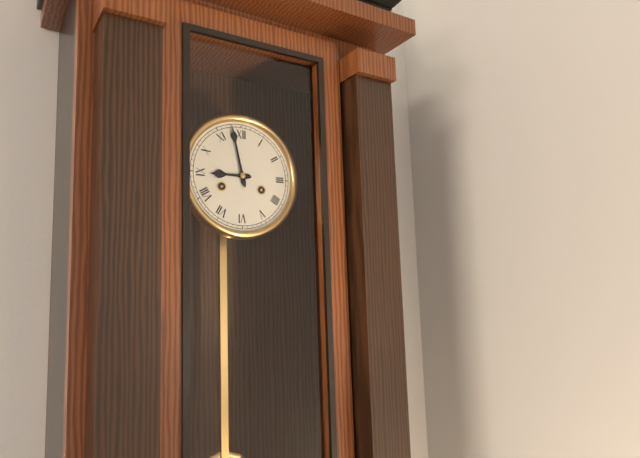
8:58
